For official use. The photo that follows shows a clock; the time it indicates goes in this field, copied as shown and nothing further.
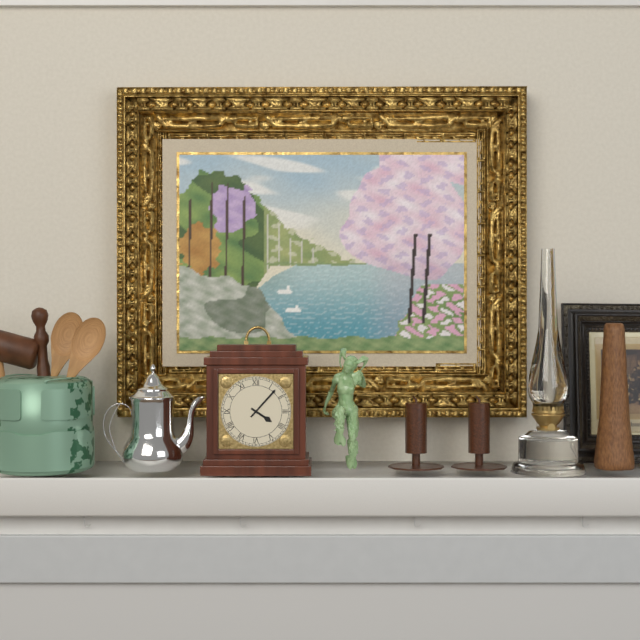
4:07
